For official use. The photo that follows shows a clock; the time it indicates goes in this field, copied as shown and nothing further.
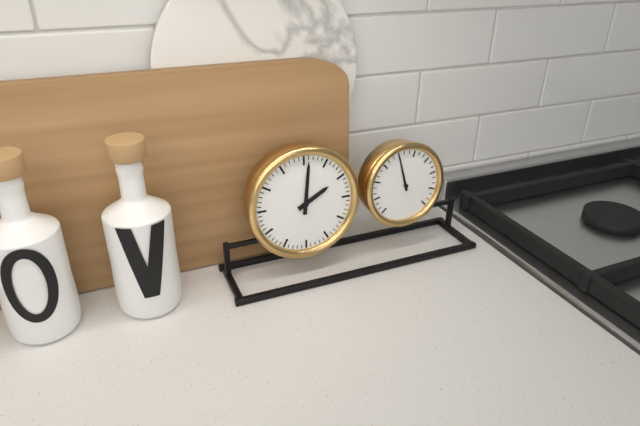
2:01
